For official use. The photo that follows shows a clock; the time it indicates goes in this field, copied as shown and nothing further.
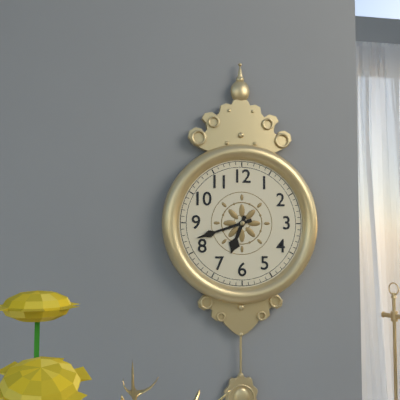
6:42
